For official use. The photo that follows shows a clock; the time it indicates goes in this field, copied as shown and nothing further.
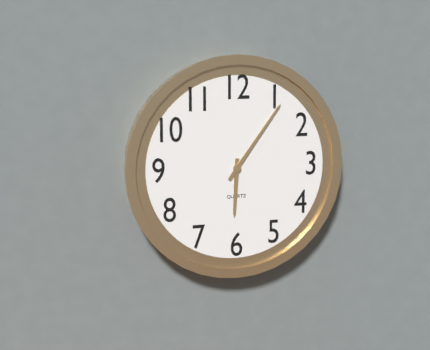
6:06
